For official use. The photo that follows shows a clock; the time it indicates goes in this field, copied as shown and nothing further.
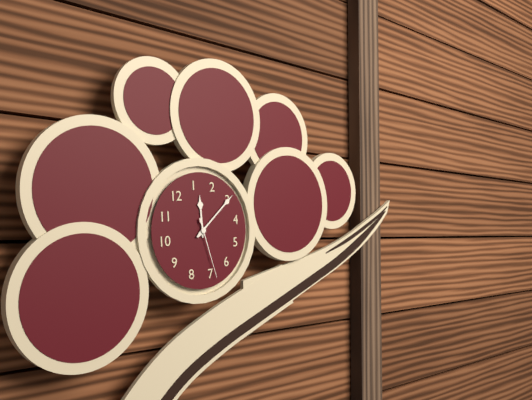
1:15:34
